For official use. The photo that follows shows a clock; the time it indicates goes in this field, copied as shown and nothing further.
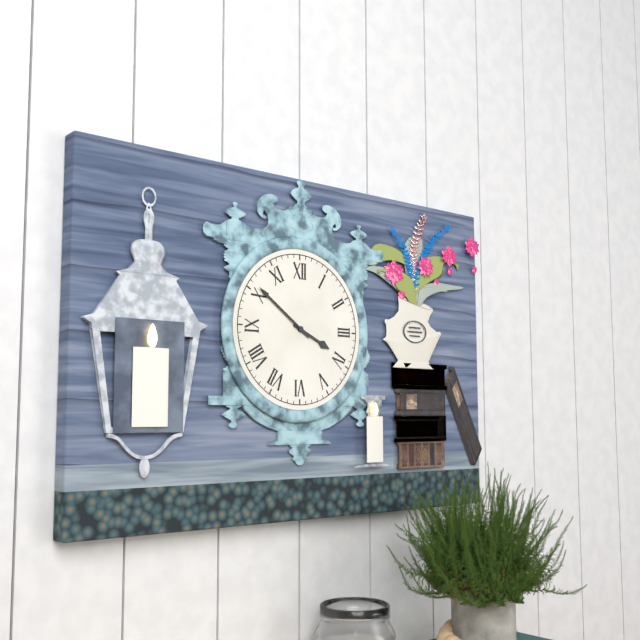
3:51
